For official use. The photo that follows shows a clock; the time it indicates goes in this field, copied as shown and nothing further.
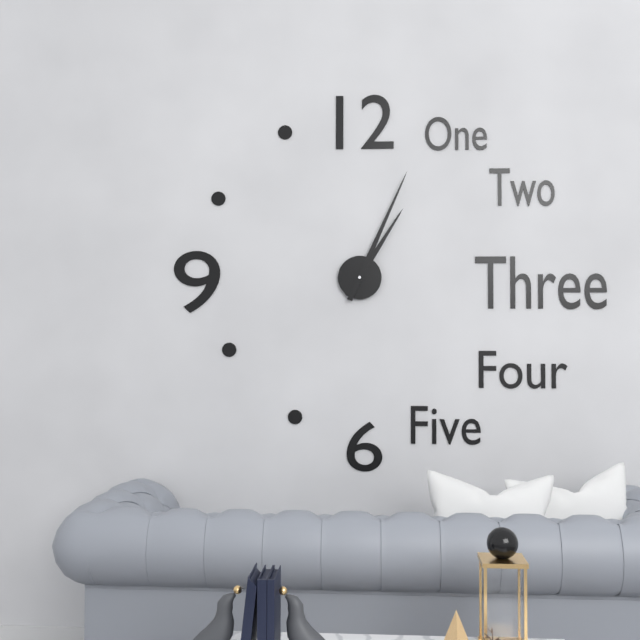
1:04
